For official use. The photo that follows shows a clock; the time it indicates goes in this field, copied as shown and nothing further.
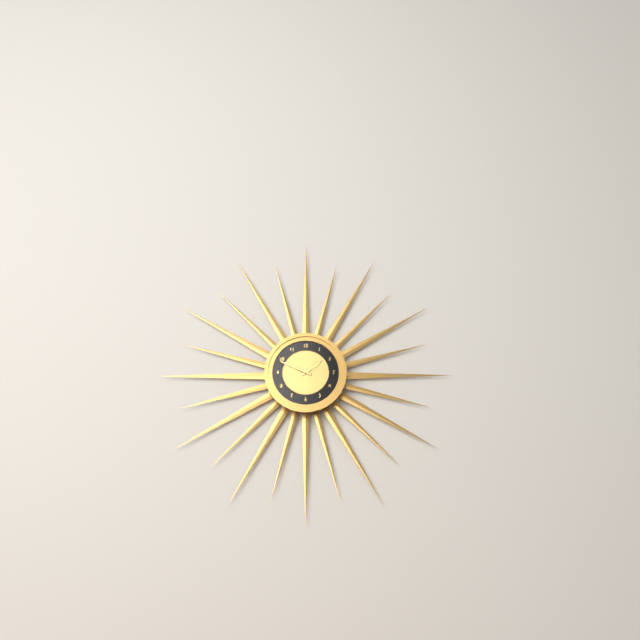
1:49
